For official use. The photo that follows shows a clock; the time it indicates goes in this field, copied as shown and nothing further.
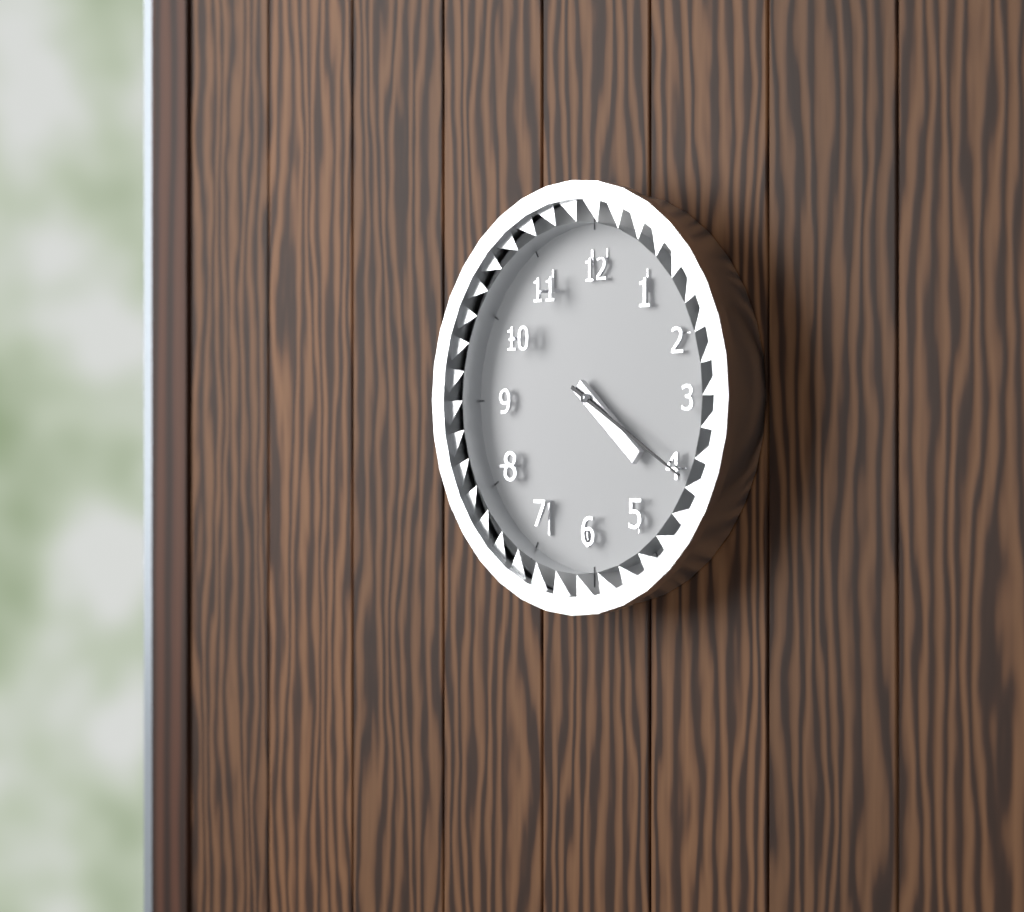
4:20
